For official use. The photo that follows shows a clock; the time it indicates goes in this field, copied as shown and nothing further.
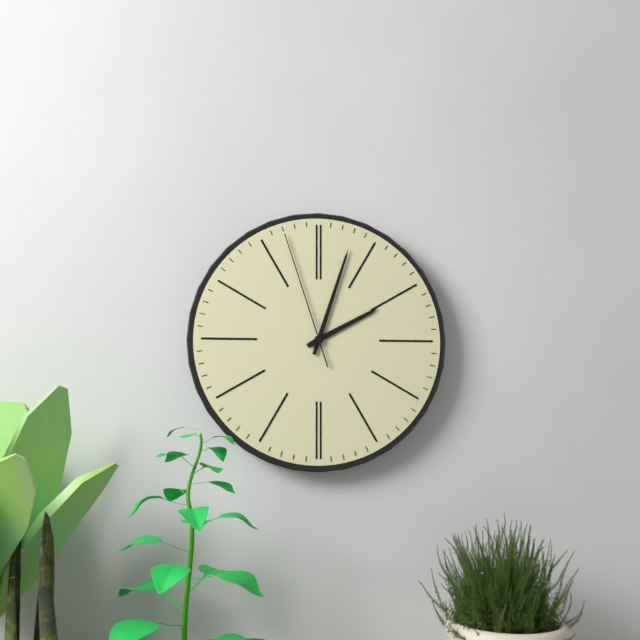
2:03:57
